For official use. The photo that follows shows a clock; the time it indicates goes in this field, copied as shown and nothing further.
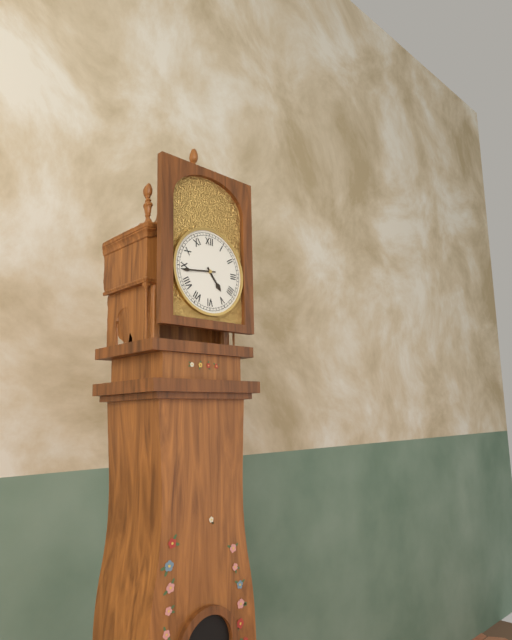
4:44
